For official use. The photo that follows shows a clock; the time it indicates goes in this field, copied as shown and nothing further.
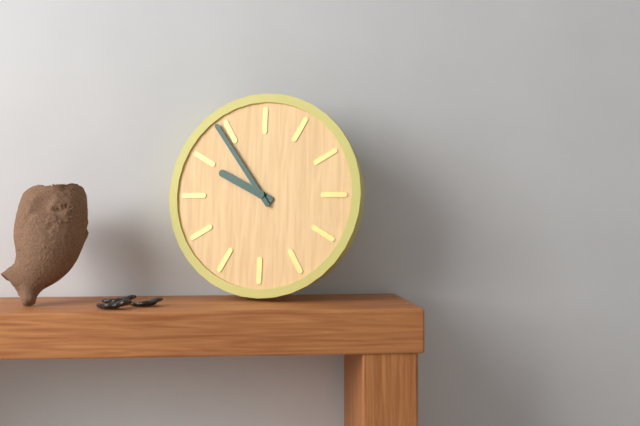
9:54
